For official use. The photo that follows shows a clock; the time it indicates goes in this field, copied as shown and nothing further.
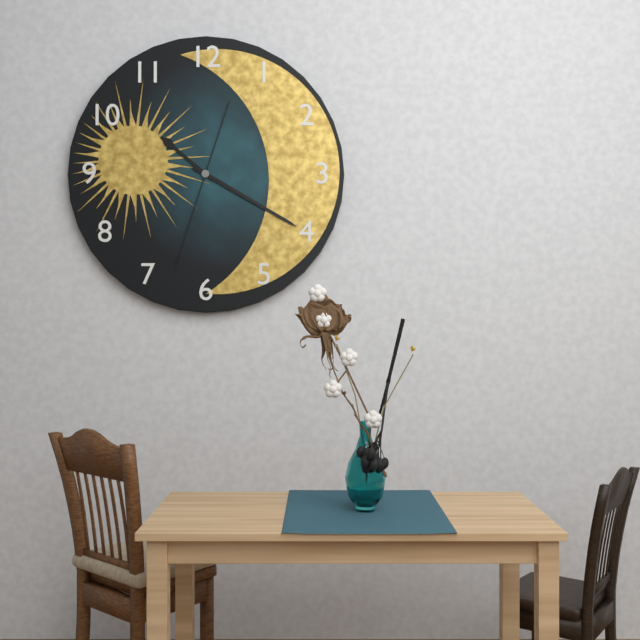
10:20:33
